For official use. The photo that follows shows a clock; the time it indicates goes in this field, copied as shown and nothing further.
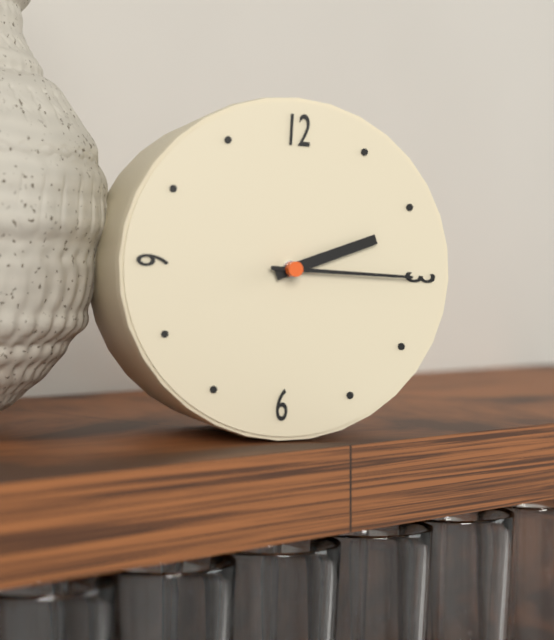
2:15
